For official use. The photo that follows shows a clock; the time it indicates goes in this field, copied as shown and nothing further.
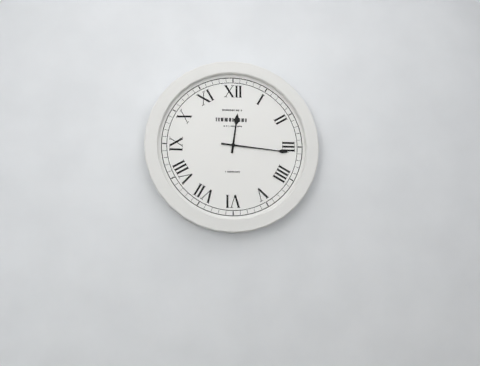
12:16
